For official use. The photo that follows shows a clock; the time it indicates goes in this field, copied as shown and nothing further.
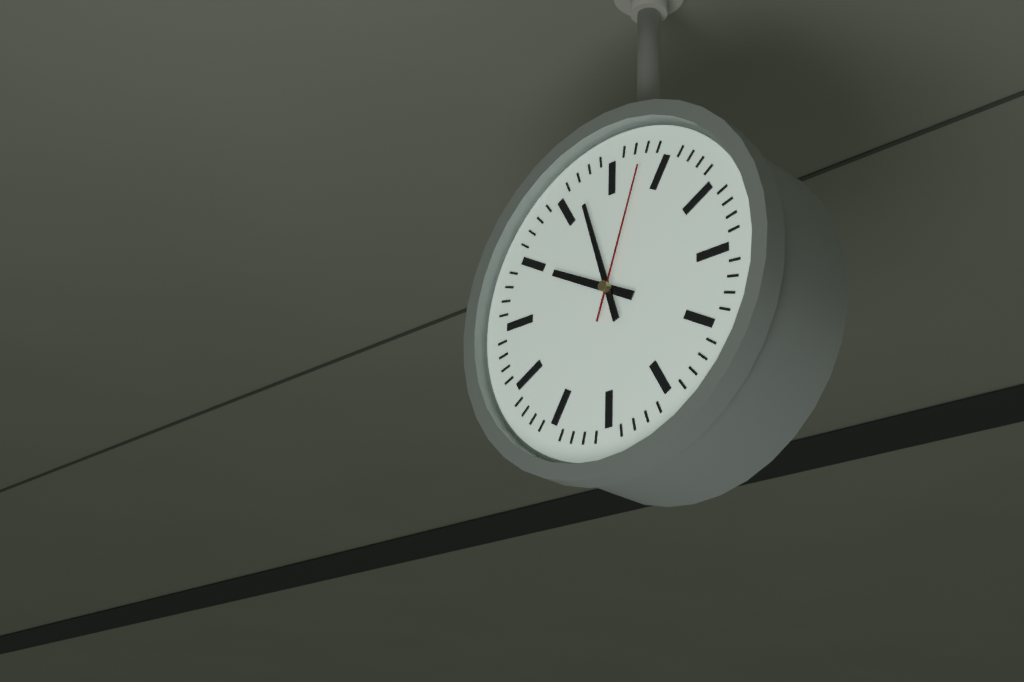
9:57:03
